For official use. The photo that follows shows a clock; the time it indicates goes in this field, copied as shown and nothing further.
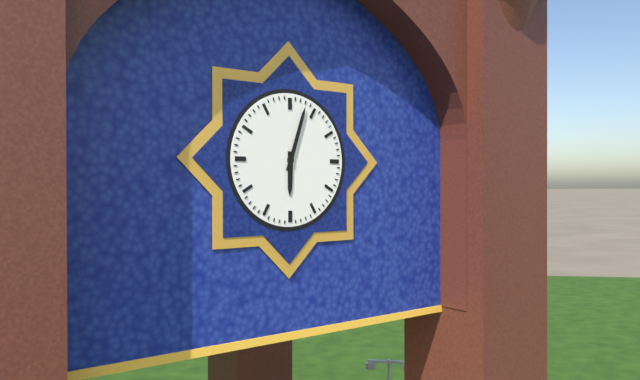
6:03
